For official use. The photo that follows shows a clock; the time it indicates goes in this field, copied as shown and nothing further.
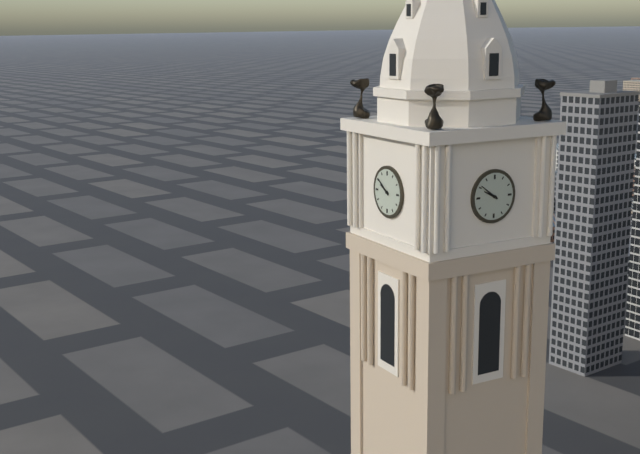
9:51
